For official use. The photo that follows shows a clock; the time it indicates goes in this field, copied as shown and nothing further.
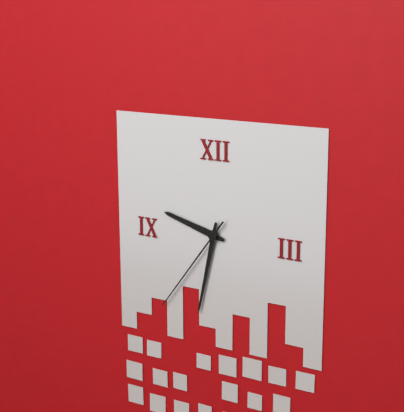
9:32:36
